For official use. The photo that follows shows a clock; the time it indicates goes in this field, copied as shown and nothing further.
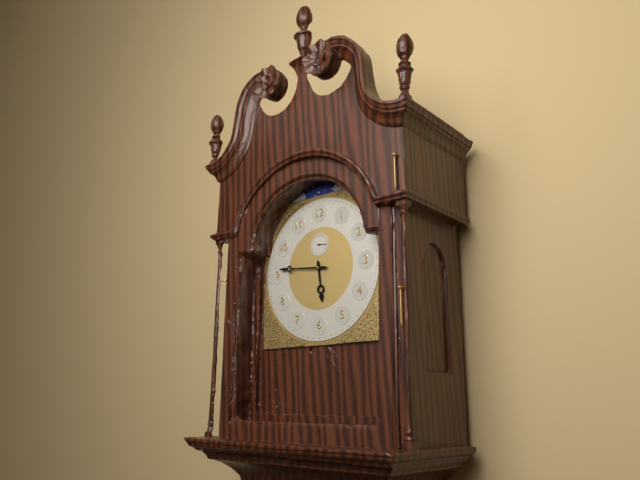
5:46
